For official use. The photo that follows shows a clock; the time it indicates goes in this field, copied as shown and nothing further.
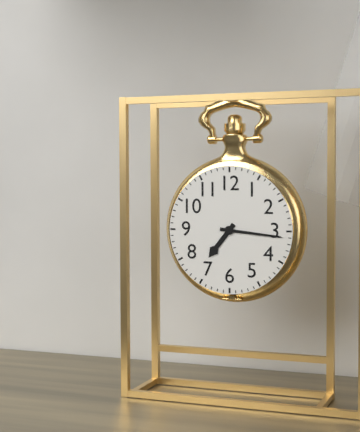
7:16
